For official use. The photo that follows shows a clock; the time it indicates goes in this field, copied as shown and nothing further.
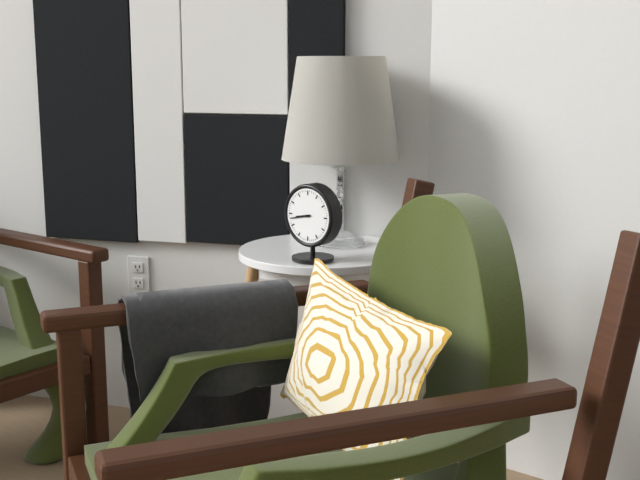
8:43
